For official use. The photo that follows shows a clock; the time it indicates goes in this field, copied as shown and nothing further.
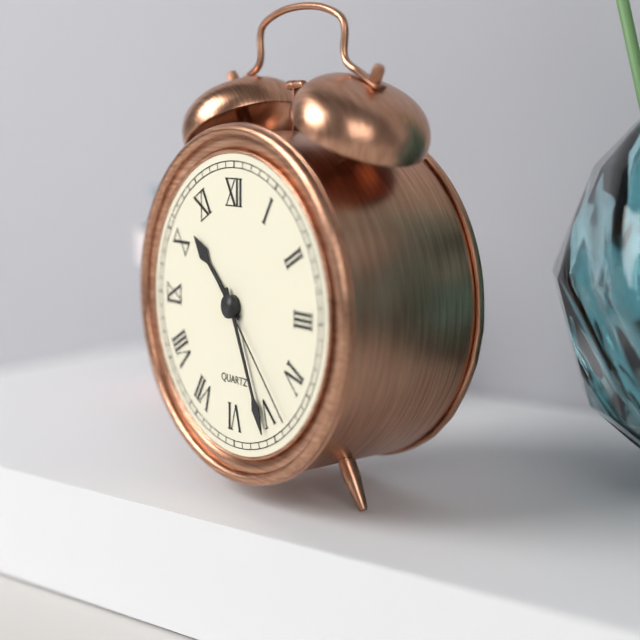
10:26:23
